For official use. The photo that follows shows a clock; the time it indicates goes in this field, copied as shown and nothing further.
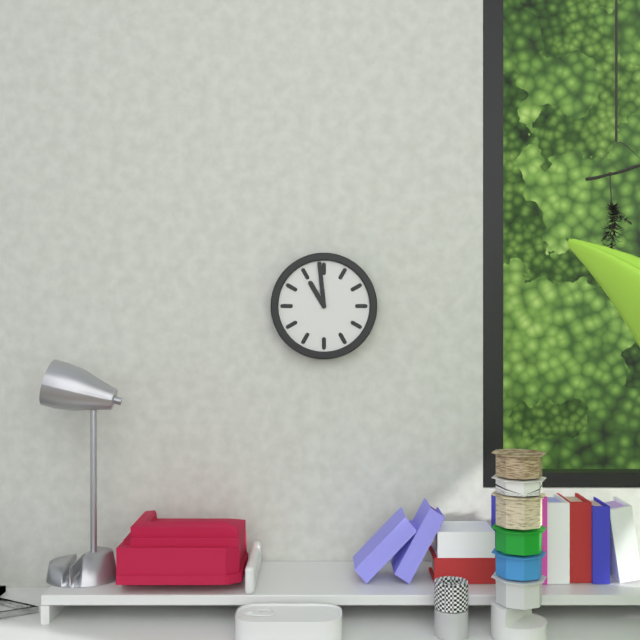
10:59
